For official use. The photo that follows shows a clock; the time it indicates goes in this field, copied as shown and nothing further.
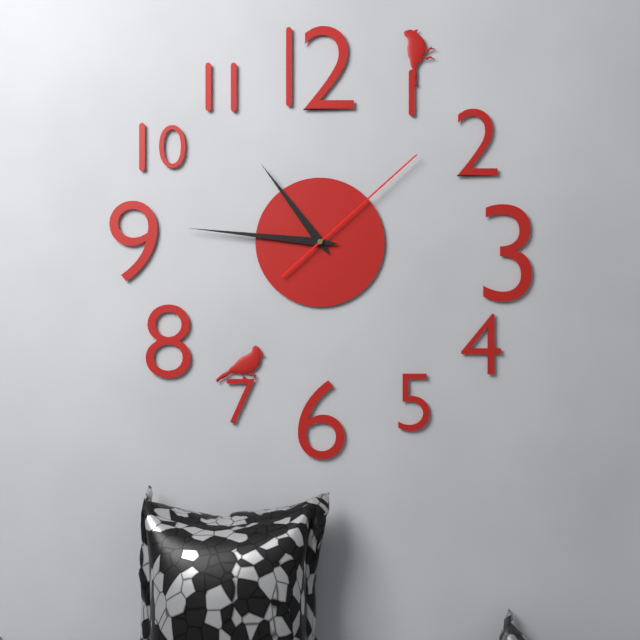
10:46:08
